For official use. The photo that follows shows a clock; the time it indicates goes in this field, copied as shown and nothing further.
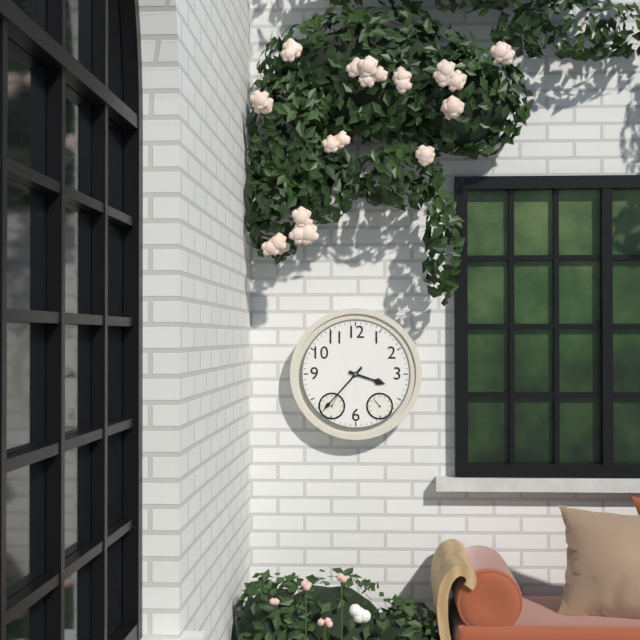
3:37
